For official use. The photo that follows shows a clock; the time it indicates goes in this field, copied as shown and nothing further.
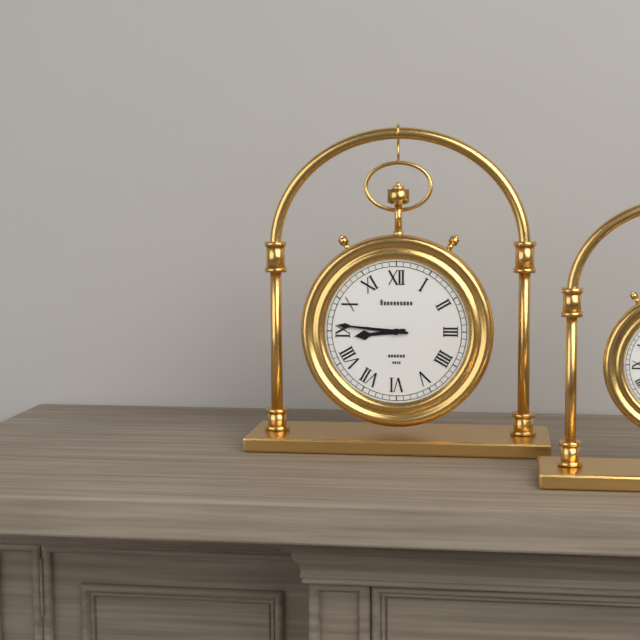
8:46
